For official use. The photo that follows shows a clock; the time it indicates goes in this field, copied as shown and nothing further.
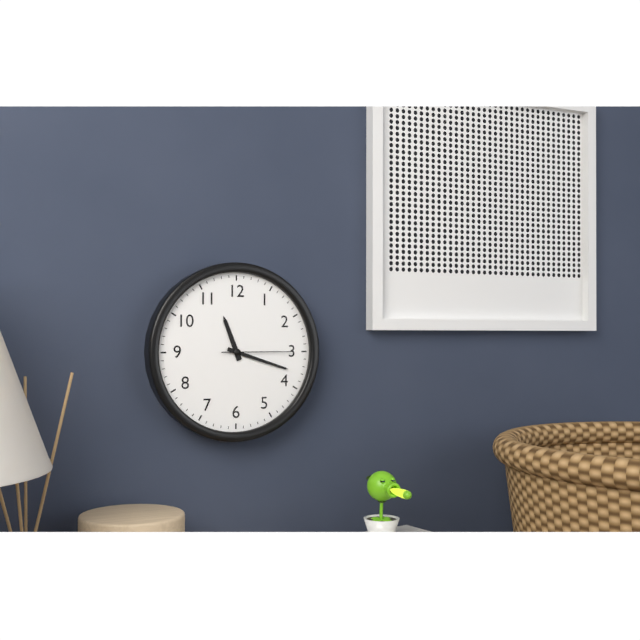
11:18:15
